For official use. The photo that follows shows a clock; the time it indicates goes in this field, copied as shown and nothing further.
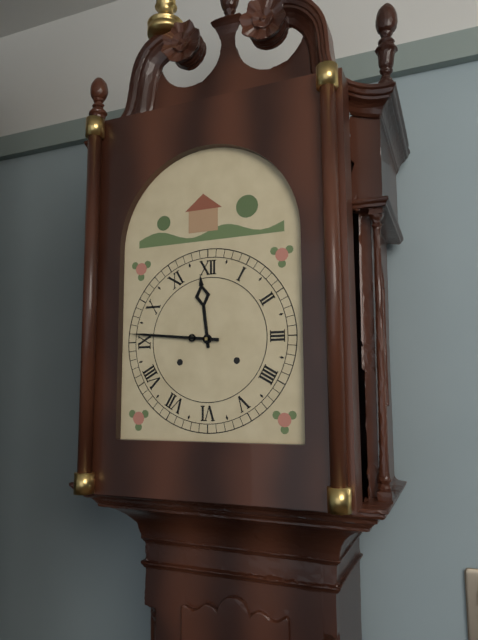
11:46
